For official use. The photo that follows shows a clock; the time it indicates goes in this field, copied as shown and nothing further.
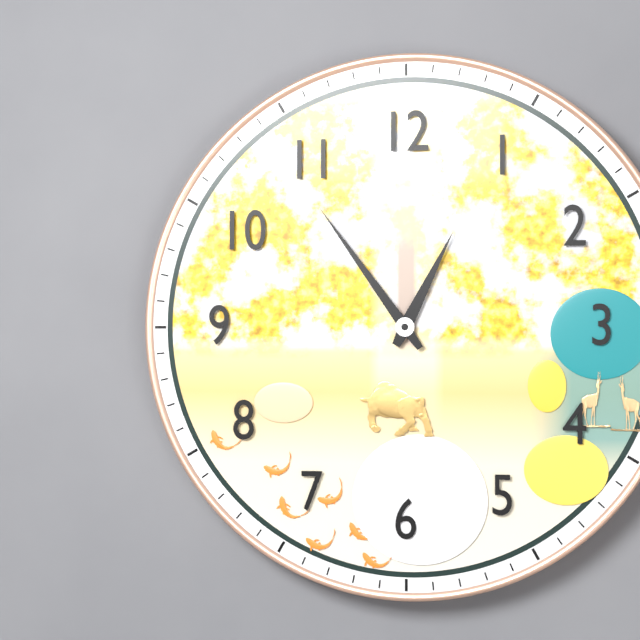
12:54
